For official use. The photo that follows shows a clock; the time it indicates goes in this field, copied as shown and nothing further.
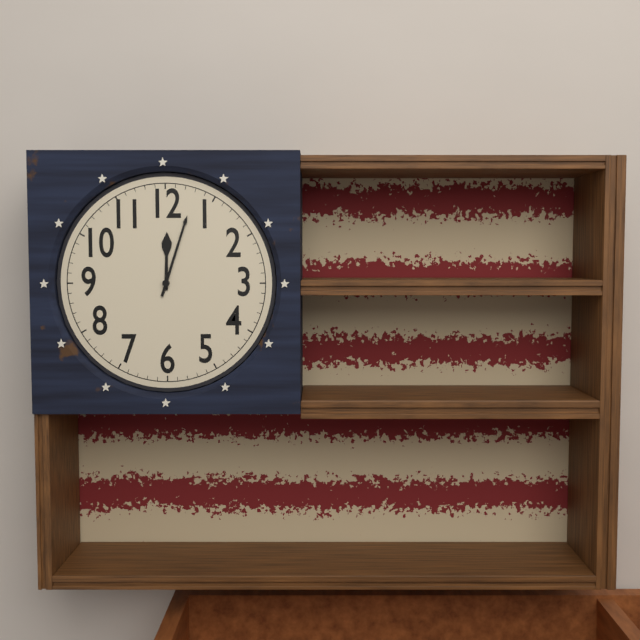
12:03
